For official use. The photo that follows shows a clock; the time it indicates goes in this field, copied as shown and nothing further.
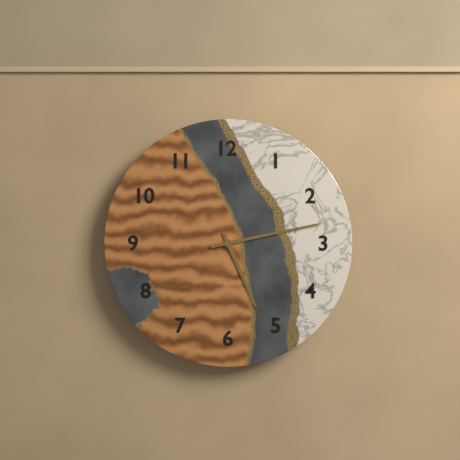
5:13
